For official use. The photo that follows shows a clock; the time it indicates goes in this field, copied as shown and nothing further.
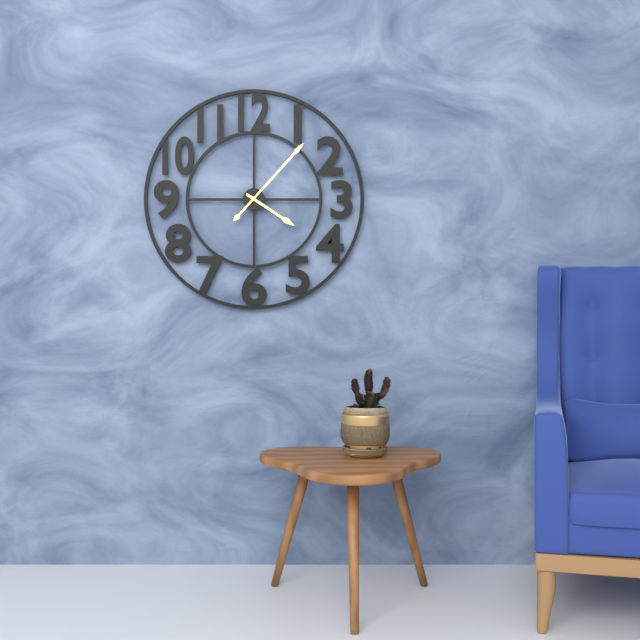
4:07
